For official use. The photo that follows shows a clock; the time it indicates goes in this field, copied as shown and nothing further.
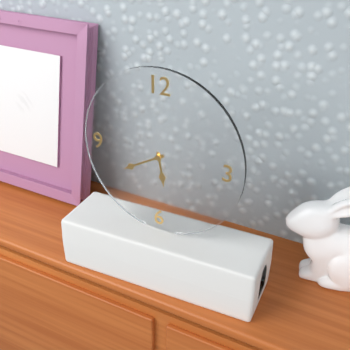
5:40
